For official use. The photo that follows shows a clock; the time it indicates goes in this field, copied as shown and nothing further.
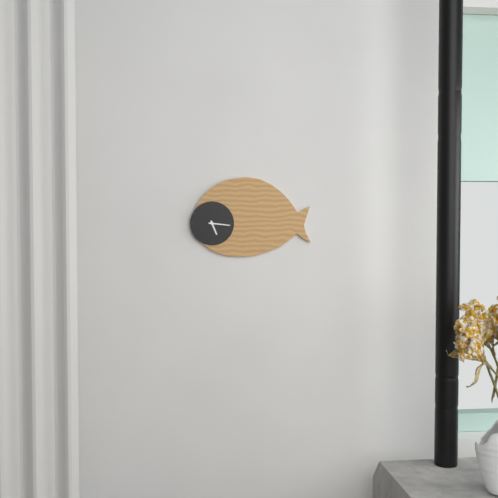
5:16
